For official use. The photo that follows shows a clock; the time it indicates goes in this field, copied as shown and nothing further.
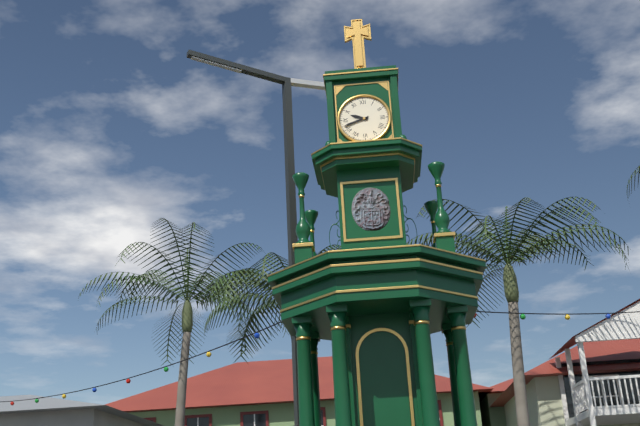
9:42
